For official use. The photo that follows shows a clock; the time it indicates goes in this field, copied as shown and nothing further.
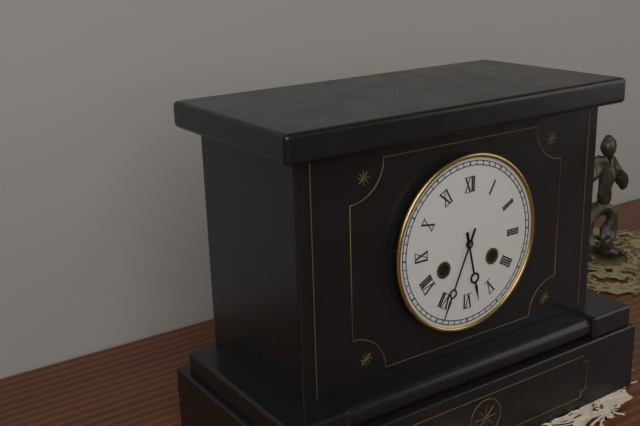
5:34
